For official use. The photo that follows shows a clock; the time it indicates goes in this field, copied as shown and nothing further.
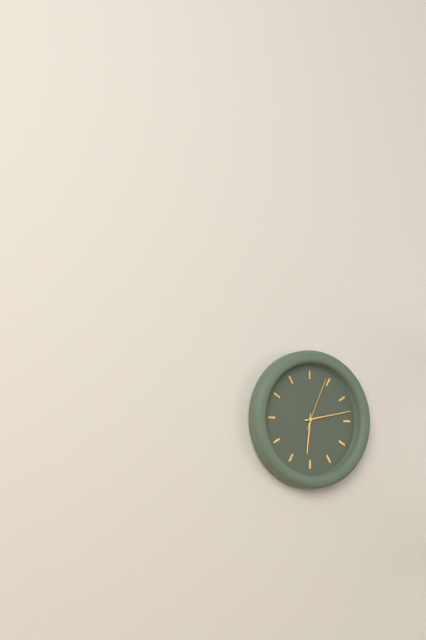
6:13:04
